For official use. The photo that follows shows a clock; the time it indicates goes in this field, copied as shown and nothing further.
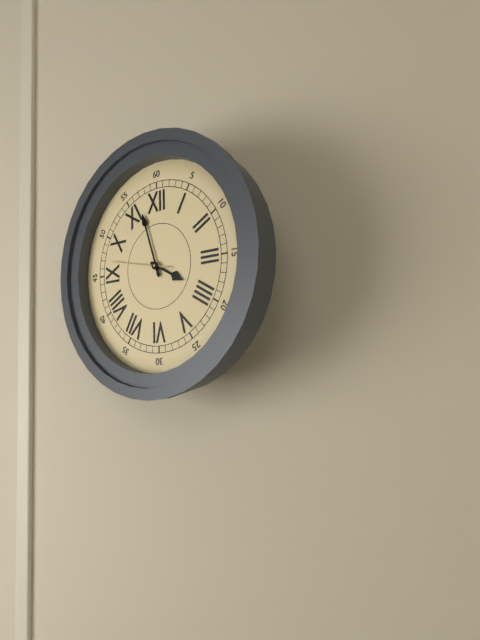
3:57:47
